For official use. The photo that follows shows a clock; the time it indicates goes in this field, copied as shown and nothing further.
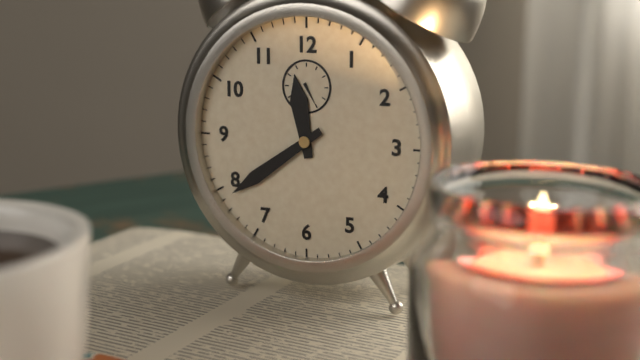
11:39
